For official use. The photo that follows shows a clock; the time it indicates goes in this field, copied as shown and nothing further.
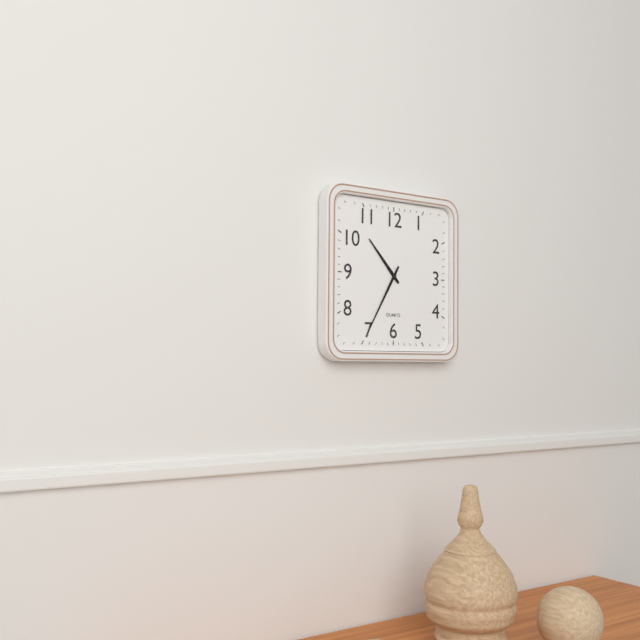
10:35
